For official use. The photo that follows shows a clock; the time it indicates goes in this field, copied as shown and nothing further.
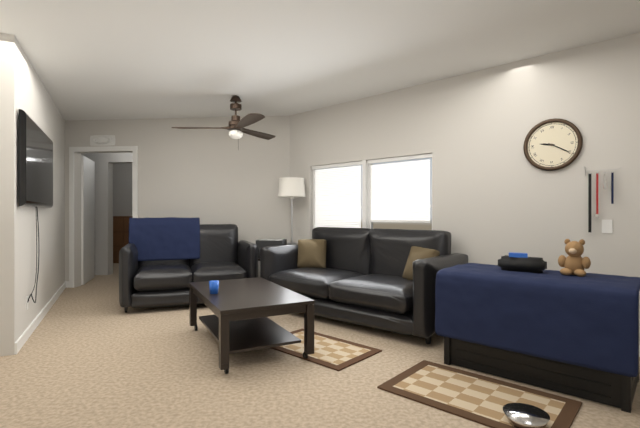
9:20
